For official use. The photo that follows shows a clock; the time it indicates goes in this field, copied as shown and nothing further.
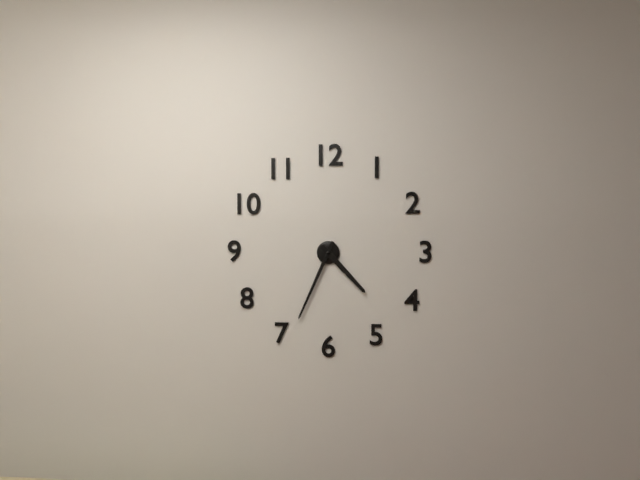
4:34
